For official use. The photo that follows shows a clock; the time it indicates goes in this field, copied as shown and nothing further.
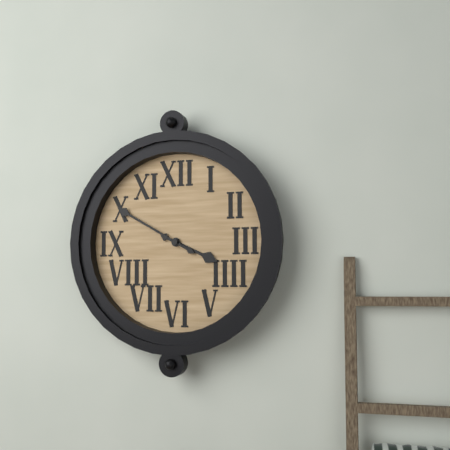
3:50
